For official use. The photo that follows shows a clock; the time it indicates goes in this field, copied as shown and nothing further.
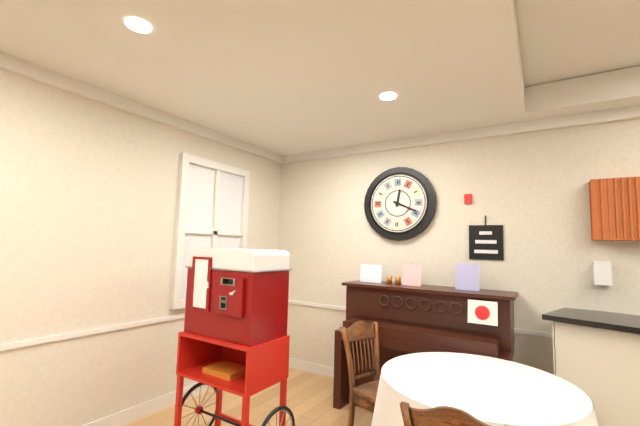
12:19
